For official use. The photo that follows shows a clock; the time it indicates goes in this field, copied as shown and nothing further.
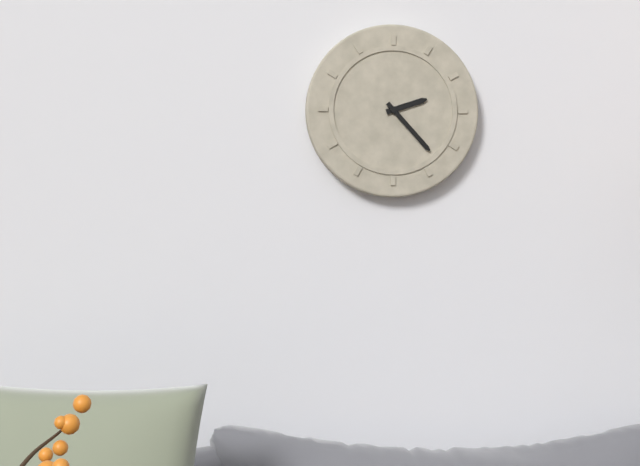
2:23
